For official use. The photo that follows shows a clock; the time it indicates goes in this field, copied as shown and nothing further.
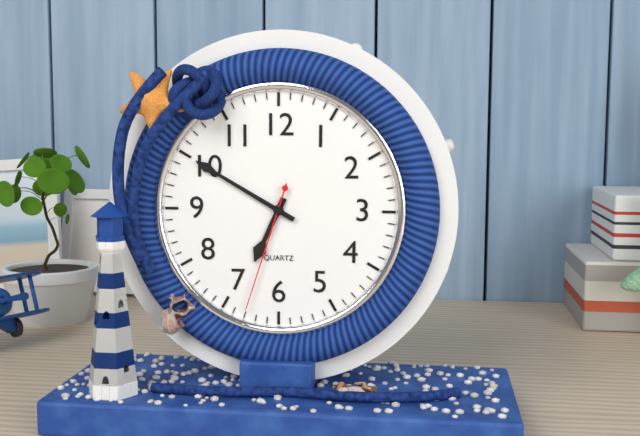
6:50:33
